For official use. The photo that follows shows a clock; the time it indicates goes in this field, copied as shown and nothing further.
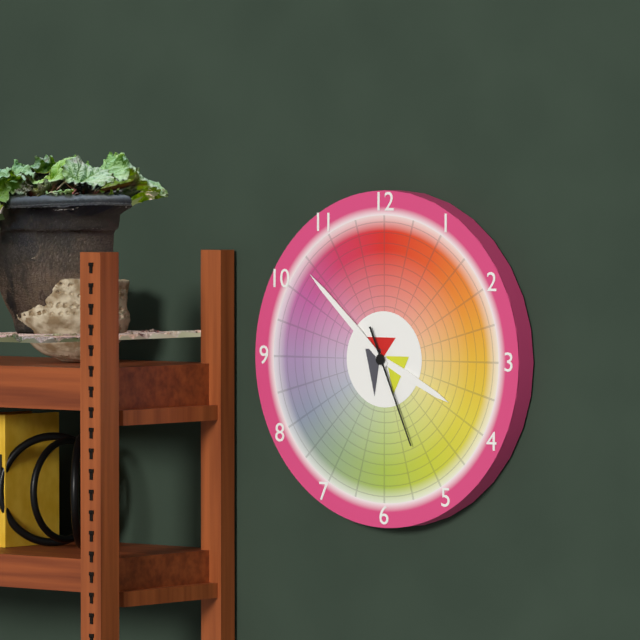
3:52:26
